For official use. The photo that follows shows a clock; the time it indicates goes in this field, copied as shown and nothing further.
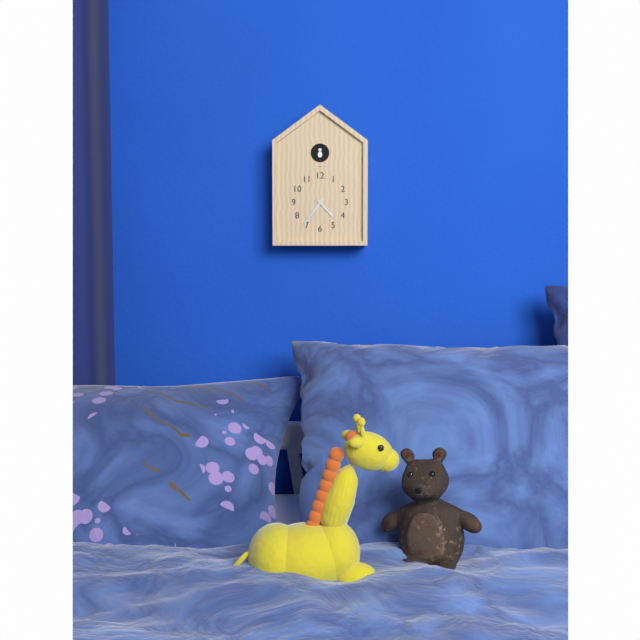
4:36
